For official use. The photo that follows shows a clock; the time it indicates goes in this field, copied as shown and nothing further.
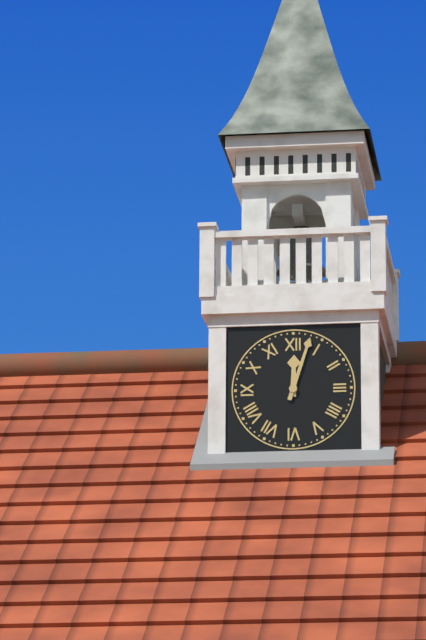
12:03
